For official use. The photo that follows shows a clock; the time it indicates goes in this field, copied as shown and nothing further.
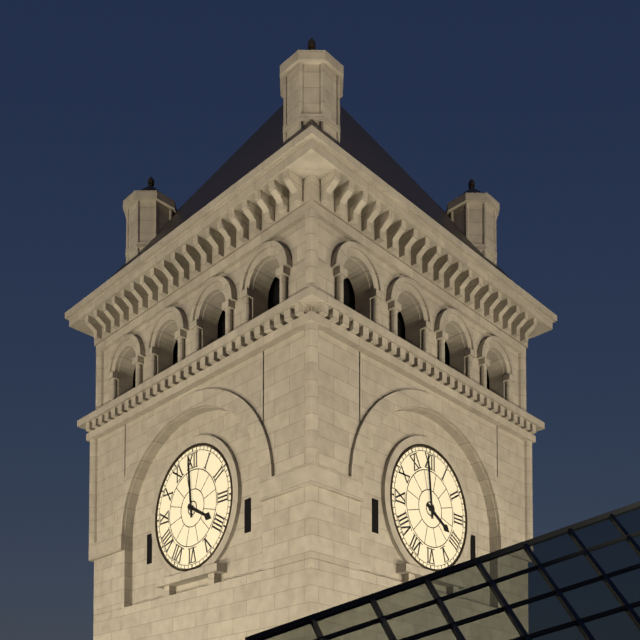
3:59
